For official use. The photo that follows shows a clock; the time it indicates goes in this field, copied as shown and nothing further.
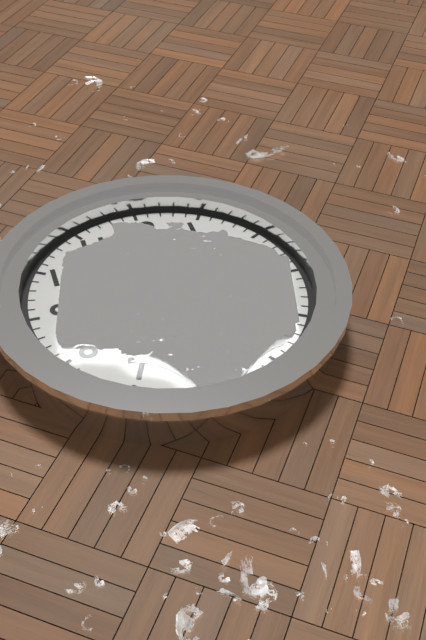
6:14
